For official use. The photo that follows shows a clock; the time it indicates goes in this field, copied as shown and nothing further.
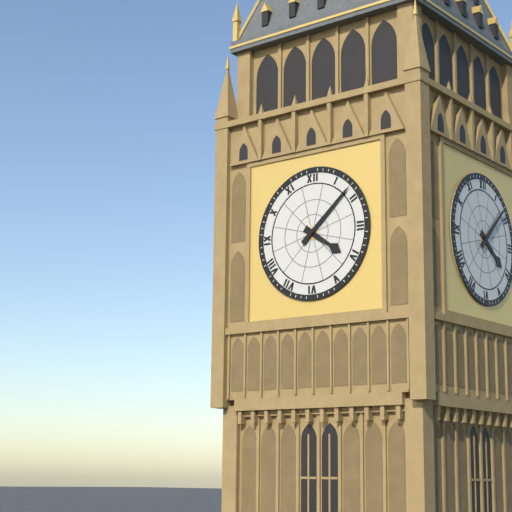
4:08
